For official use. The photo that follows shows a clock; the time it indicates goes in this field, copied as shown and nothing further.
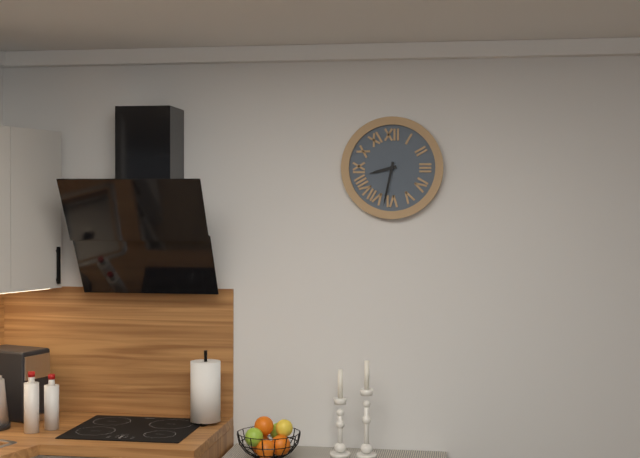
8:32
